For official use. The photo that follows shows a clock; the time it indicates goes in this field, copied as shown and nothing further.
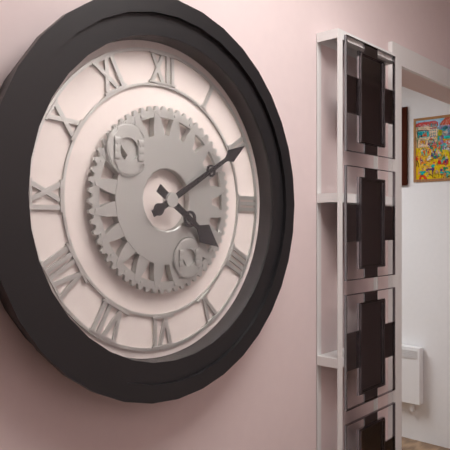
4:10
